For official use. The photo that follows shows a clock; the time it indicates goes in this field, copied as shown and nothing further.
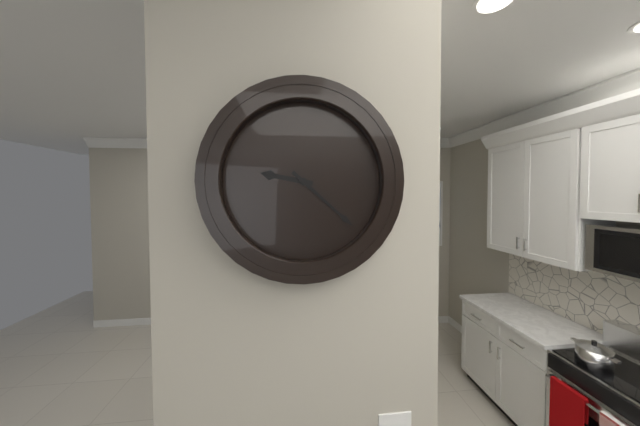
9:22
